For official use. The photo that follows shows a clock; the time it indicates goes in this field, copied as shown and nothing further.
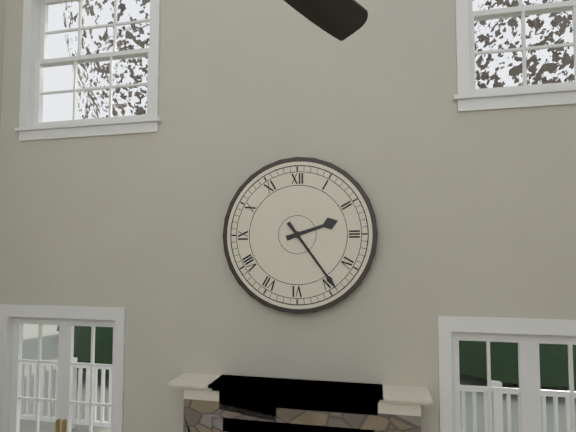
2:24
